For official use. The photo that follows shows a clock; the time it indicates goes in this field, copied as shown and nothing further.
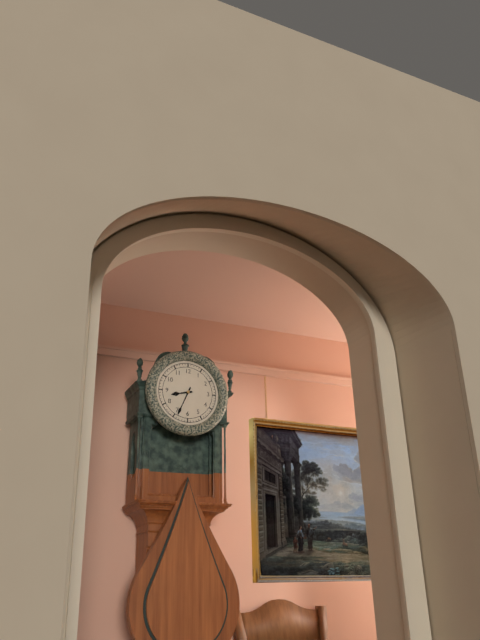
8:34
